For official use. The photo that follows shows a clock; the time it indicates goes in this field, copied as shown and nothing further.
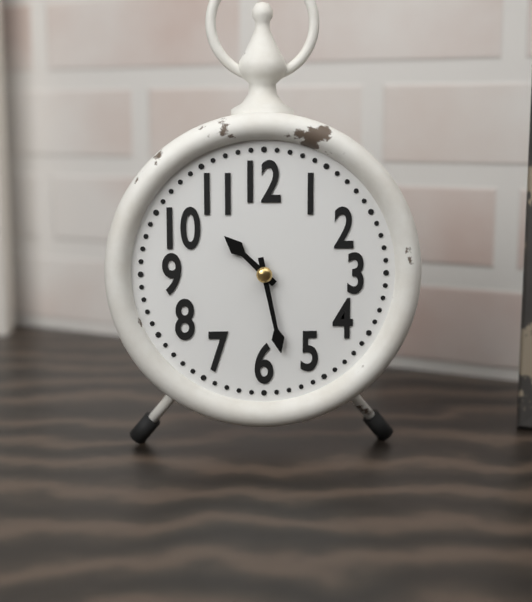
10:28
